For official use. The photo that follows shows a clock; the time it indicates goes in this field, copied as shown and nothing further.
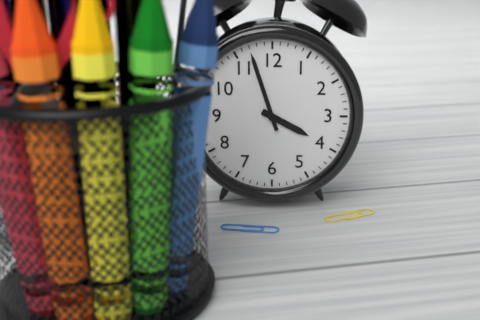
3:57
